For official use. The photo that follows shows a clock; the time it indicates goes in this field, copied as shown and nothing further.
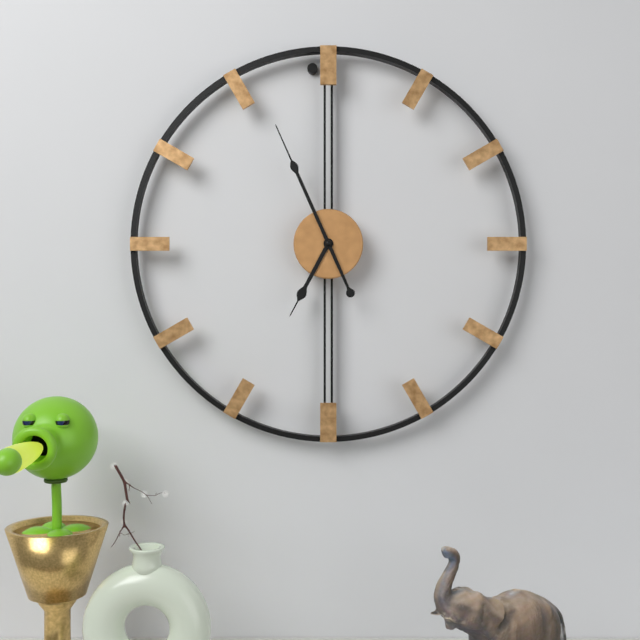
6:56
